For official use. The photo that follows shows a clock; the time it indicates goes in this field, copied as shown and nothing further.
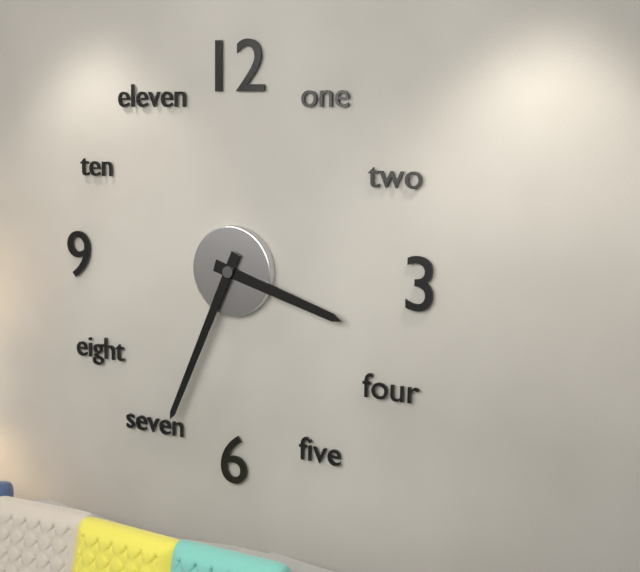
3:34
